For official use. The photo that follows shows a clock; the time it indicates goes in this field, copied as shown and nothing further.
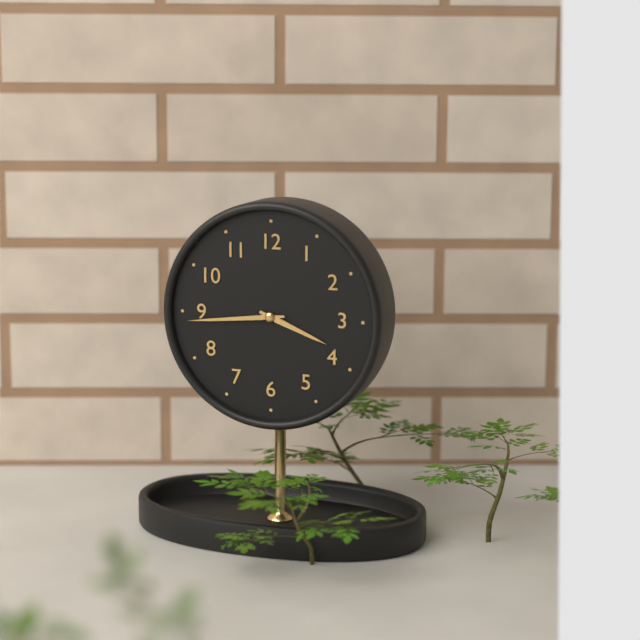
3:44
